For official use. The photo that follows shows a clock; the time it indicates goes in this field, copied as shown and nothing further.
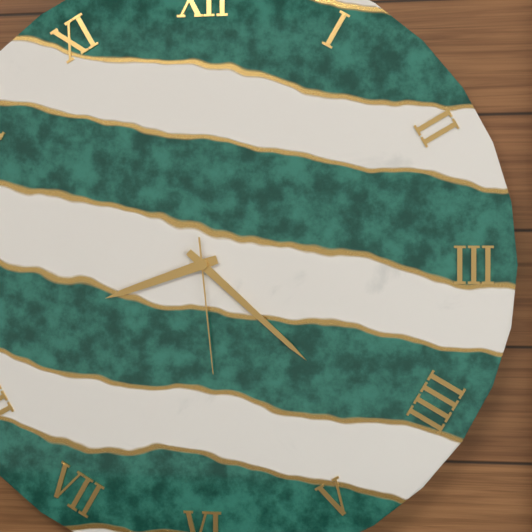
8:22:29
